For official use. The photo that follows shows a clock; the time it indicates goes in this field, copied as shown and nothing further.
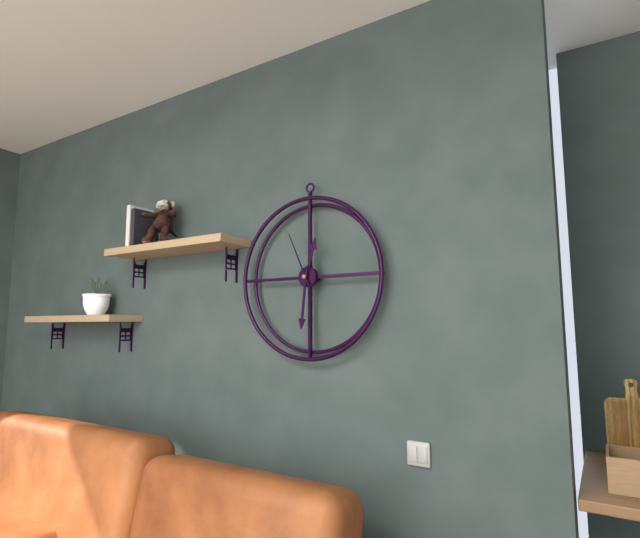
12:31:56
